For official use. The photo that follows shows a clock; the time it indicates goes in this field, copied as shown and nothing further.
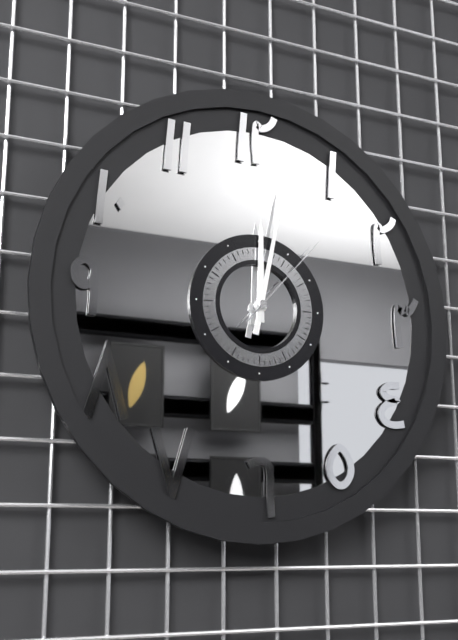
12:02:07
